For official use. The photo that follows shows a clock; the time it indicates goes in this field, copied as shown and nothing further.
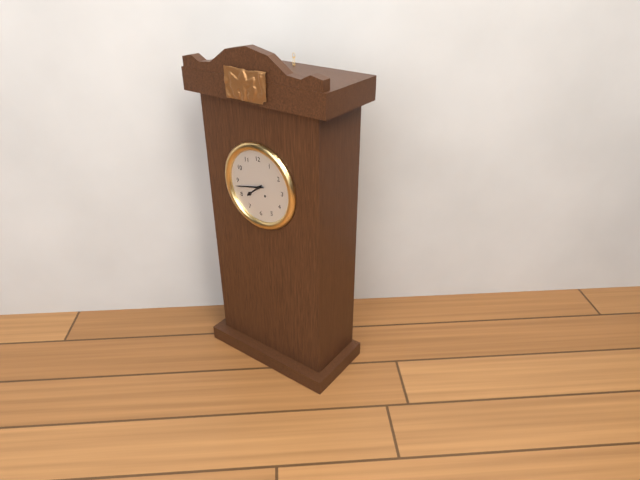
7:43
